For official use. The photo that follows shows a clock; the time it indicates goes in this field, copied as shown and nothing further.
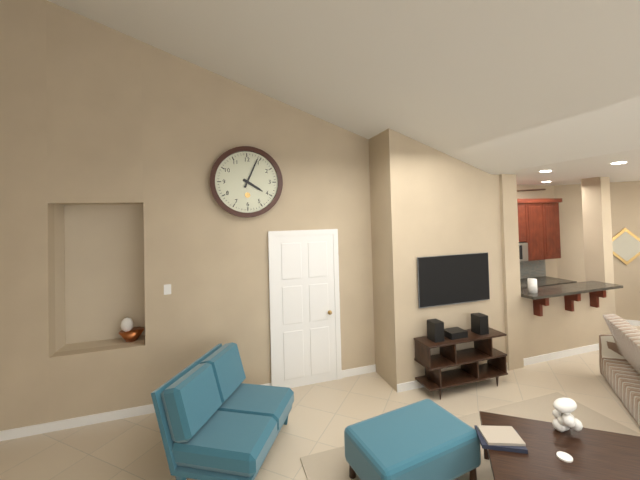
4:04
